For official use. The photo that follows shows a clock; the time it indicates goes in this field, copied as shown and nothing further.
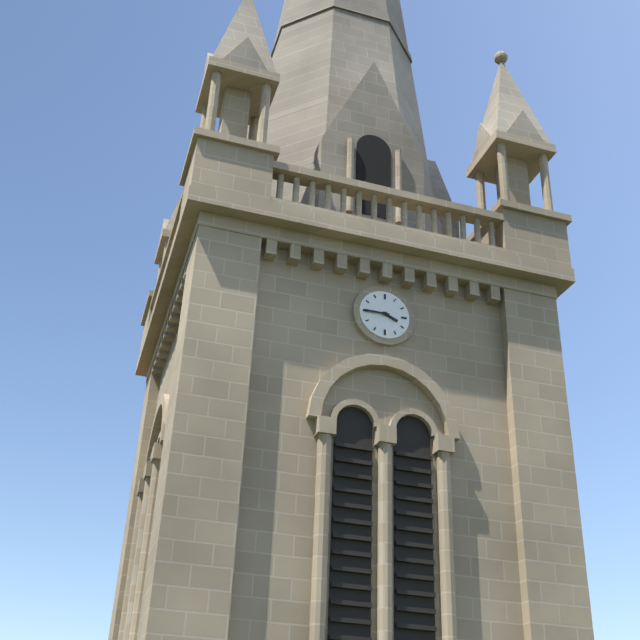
3:45
